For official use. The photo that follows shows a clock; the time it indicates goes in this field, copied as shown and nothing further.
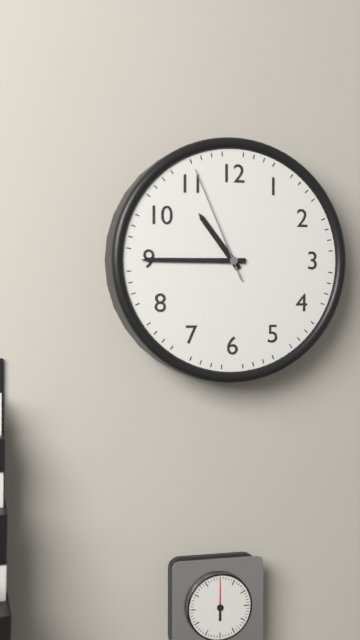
10:45:56
